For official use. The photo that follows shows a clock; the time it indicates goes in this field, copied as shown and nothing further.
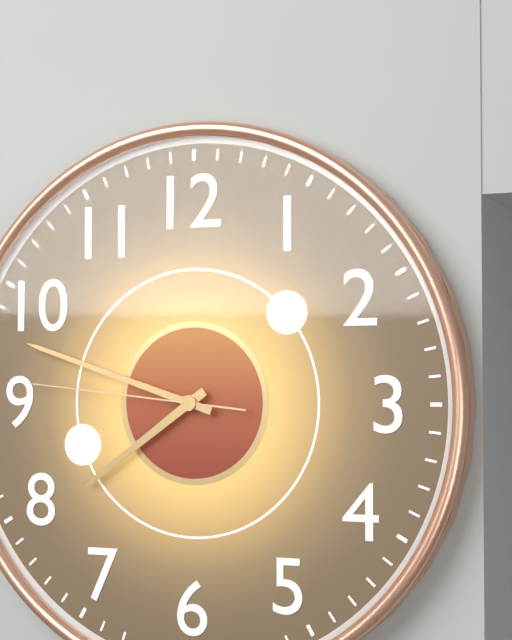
7:48:46
